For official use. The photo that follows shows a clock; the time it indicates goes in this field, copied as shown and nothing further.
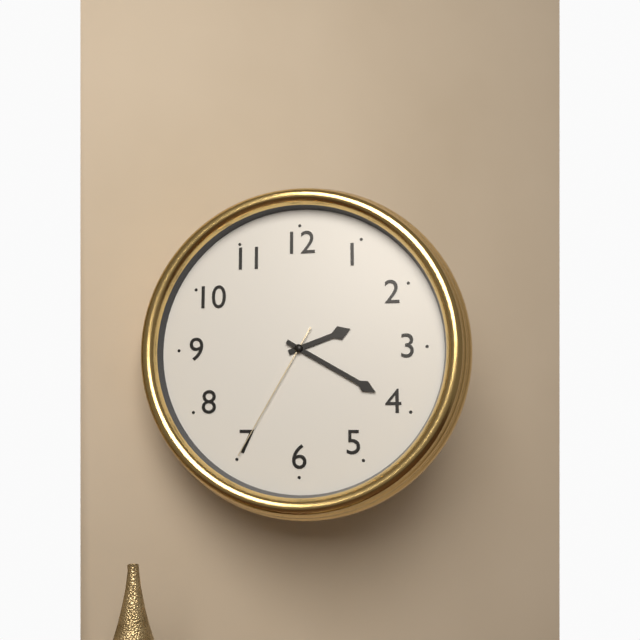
2:20:35
